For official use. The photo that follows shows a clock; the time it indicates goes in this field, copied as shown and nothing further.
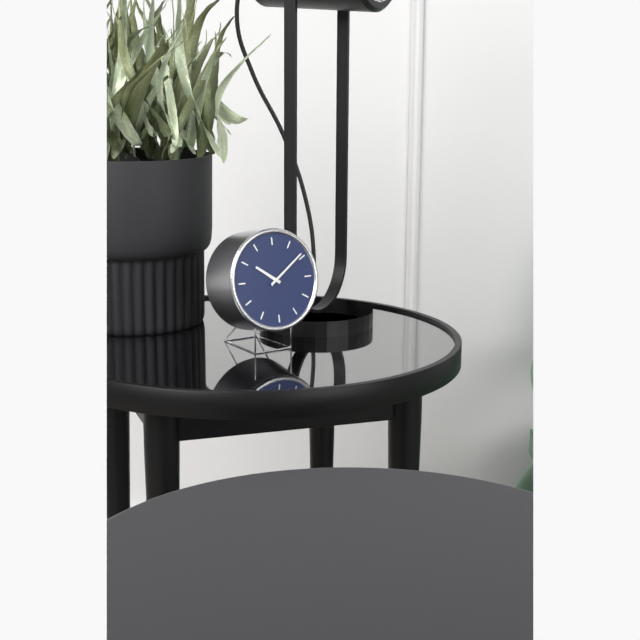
10:09
